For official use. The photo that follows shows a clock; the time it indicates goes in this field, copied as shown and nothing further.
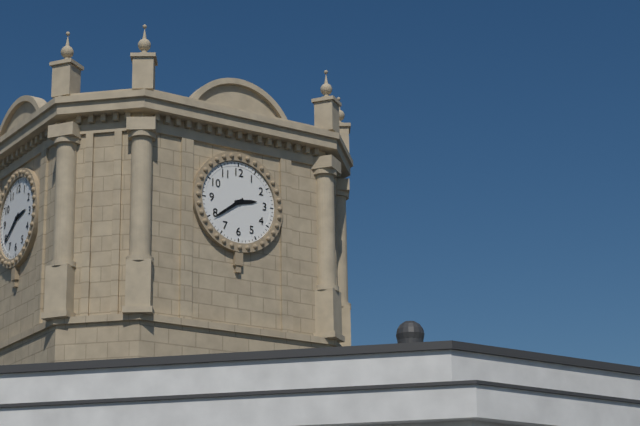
2:39
